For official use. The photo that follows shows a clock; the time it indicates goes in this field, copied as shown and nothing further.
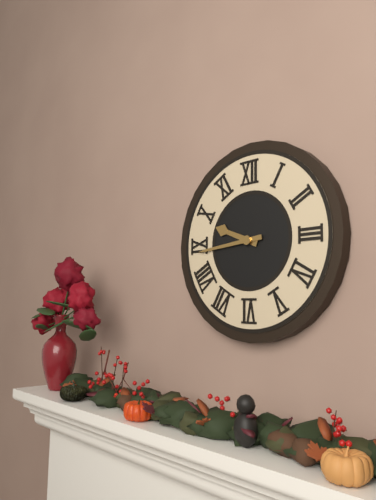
9:44
